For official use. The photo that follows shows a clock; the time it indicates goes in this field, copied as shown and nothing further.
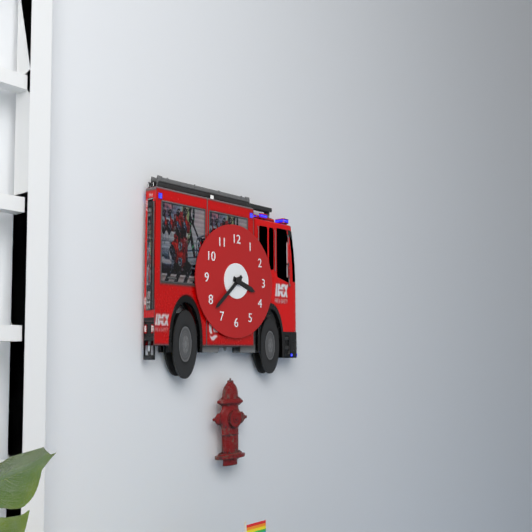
3:38
